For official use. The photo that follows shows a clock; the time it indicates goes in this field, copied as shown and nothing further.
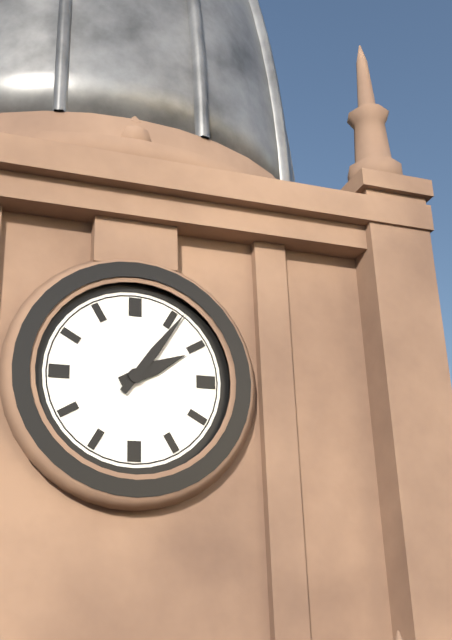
2:06
